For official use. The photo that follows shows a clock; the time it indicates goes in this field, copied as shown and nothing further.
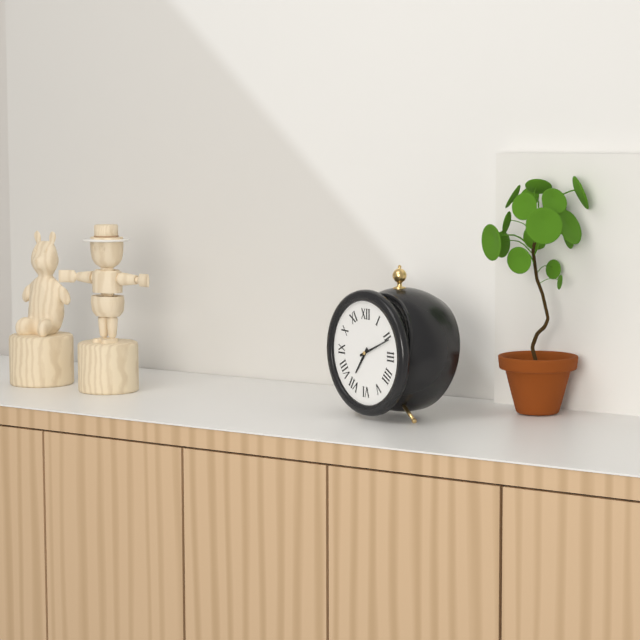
7:11
